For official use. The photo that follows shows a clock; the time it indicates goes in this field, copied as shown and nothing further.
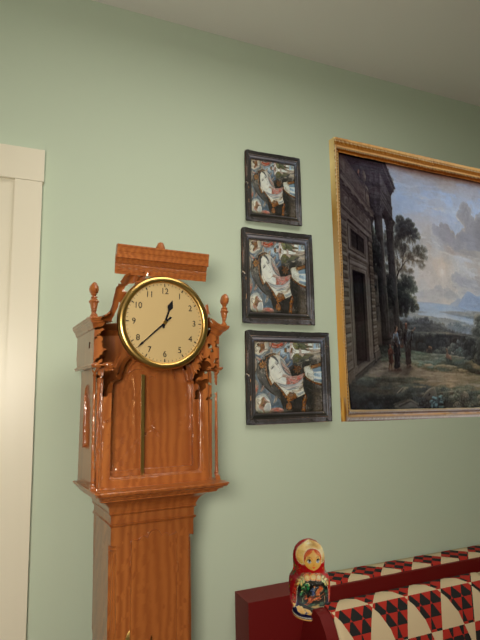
12:38
